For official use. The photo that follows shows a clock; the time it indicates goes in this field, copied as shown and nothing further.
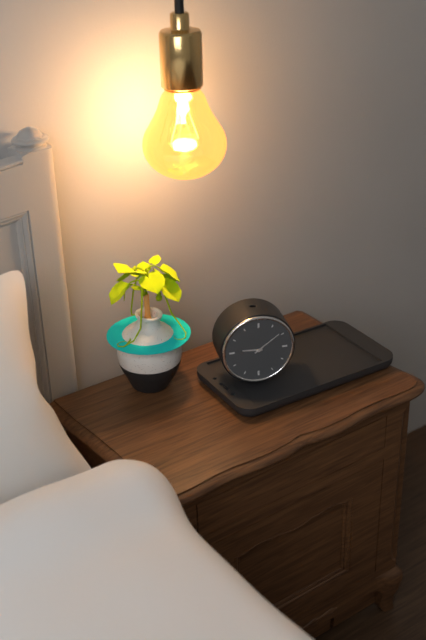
9:09
